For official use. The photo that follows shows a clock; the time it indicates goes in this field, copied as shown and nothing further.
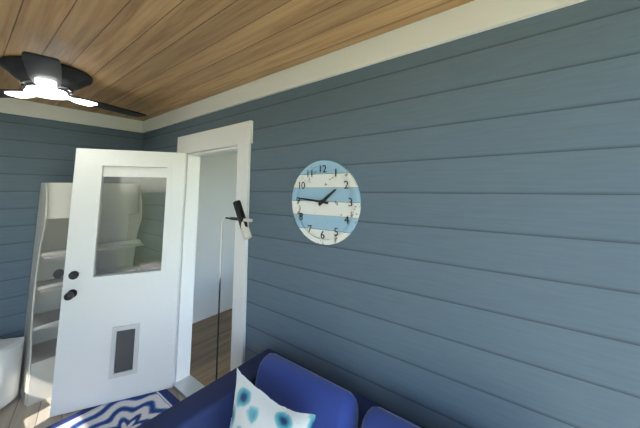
1:46
